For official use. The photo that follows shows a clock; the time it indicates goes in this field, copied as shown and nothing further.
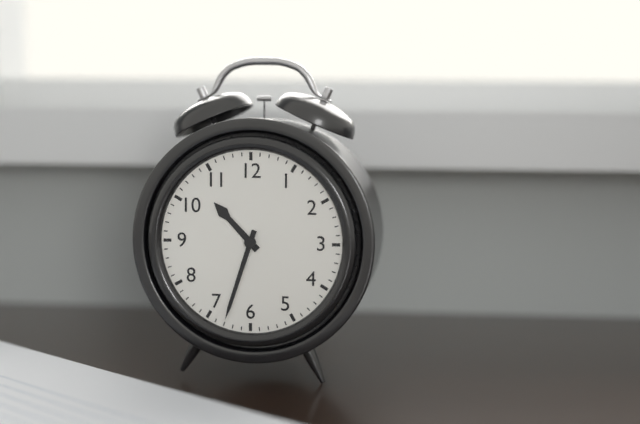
10:33
